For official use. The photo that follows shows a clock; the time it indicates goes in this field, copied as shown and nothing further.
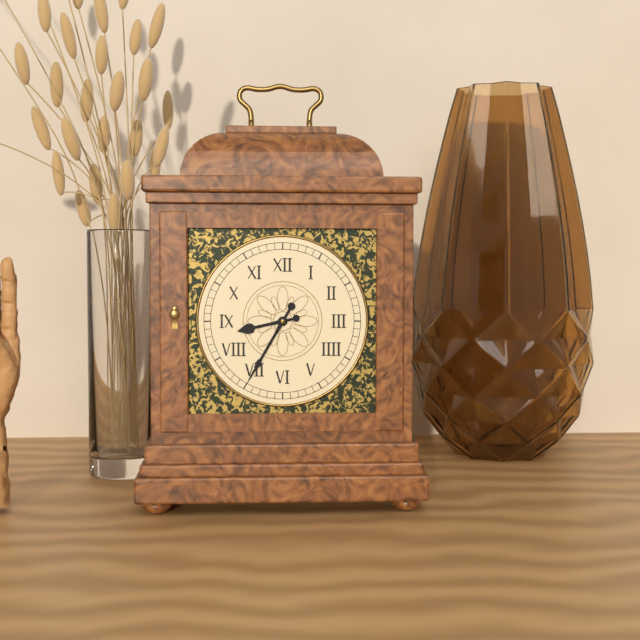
8:35
